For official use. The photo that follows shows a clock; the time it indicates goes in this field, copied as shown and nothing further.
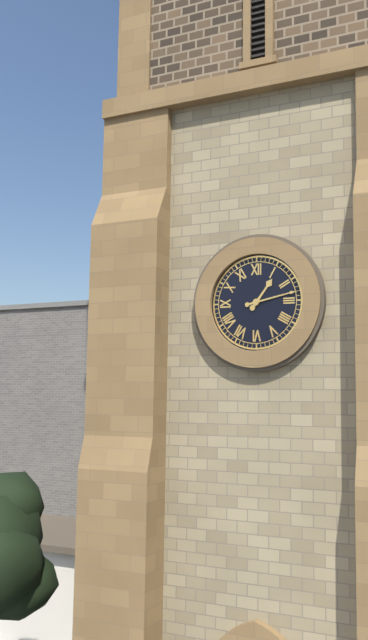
1:13
